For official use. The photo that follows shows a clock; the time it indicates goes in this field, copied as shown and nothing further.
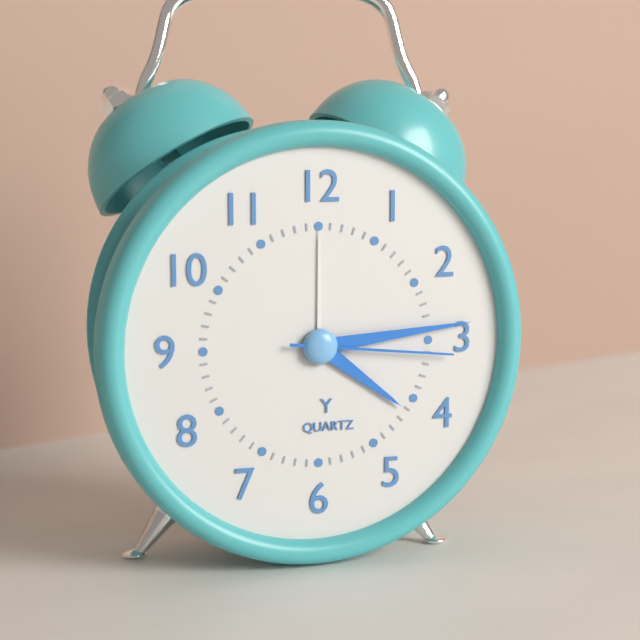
4:14:16
